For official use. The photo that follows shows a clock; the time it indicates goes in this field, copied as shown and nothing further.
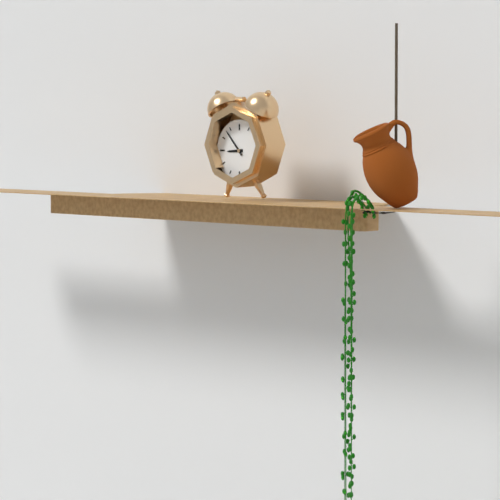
8:53
